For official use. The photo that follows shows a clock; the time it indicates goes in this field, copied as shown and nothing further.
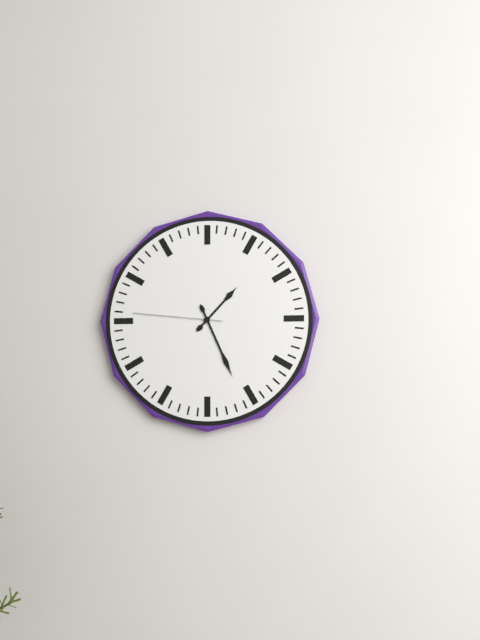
1:26:46
